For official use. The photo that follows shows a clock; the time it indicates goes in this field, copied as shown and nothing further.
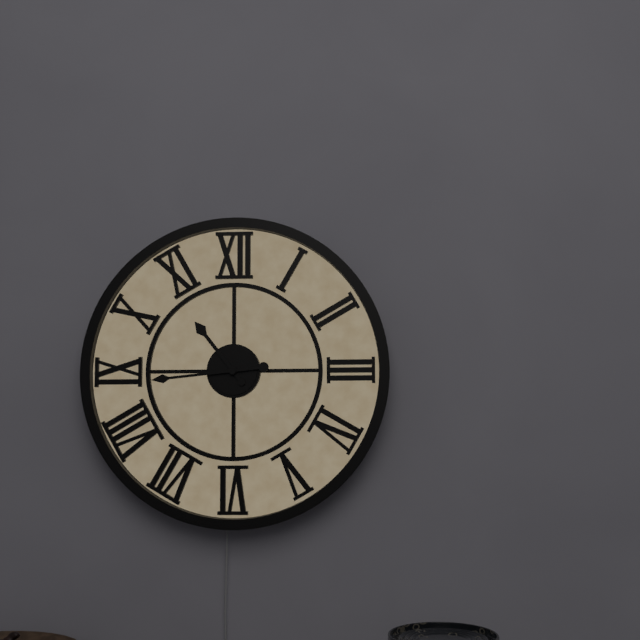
10:44
